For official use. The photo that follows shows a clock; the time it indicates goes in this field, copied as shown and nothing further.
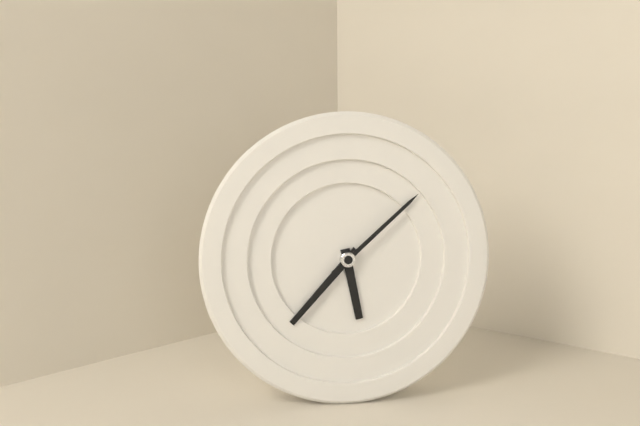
5:37:08
